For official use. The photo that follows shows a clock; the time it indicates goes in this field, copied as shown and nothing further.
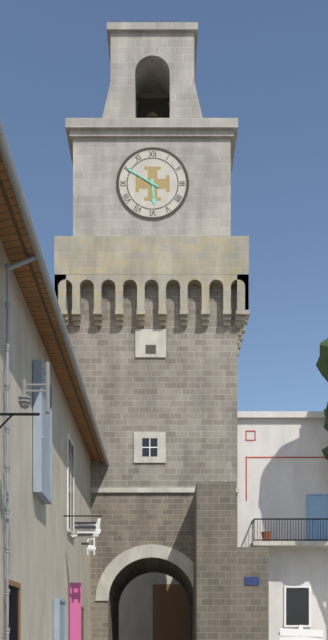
5:50
